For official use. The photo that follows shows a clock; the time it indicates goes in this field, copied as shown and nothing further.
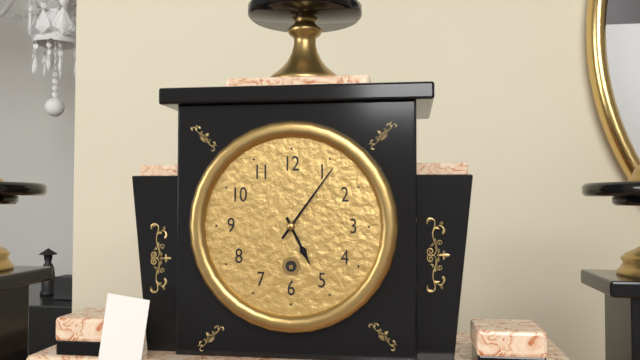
5:06
